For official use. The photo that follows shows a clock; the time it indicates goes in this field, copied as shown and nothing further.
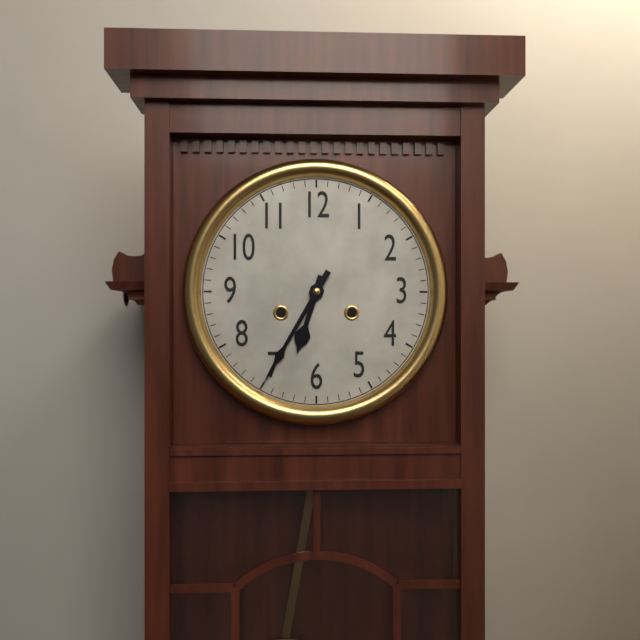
6:35
